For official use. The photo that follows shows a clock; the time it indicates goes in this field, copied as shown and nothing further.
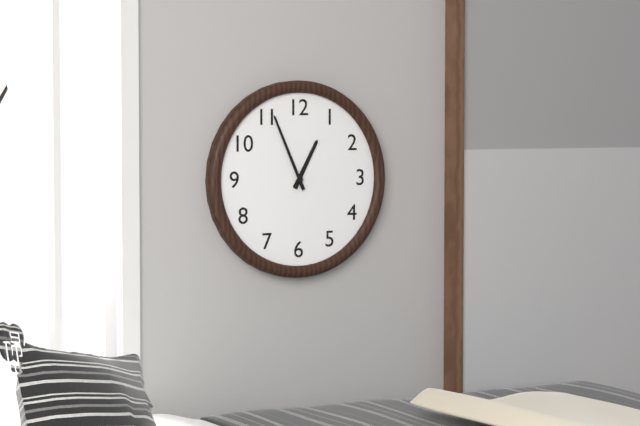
12:56
